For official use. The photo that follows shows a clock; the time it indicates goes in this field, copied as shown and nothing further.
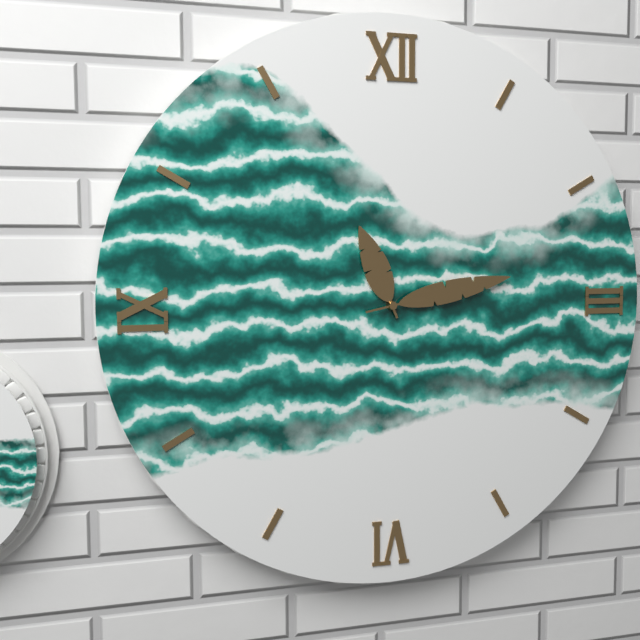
11:13
